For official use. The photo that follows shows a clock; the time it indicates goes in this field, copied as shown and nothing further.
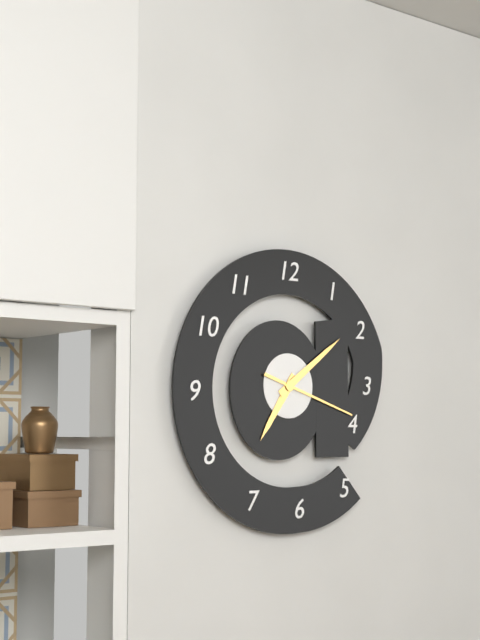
7:09:18
